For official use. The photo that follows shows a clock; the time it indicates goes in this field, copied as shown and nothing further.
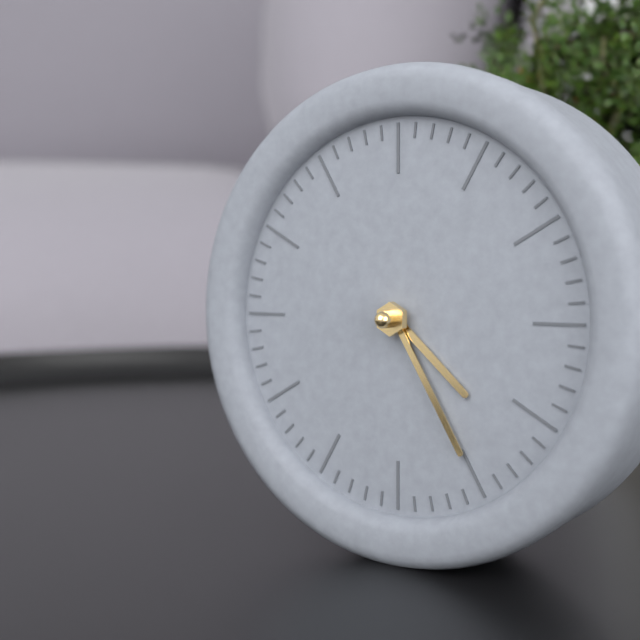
4:25
